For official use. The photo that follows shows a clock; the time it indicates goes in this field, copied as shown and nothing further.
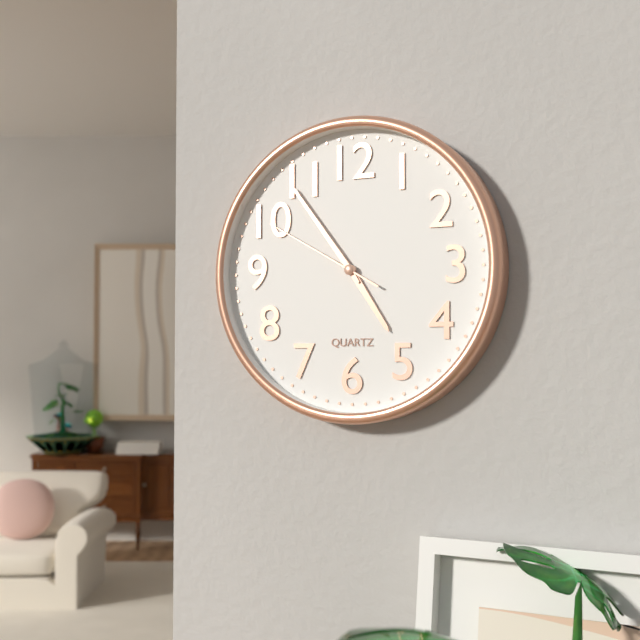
4:54:50
